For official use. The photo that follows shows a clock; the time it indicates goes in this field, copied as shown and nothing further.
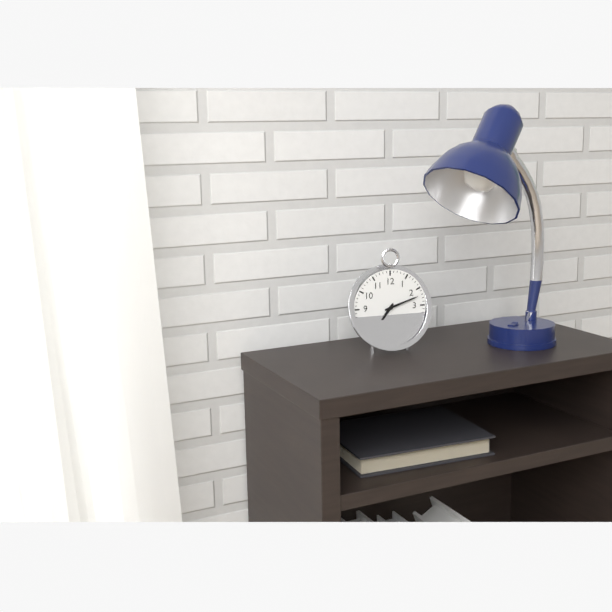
7:12
